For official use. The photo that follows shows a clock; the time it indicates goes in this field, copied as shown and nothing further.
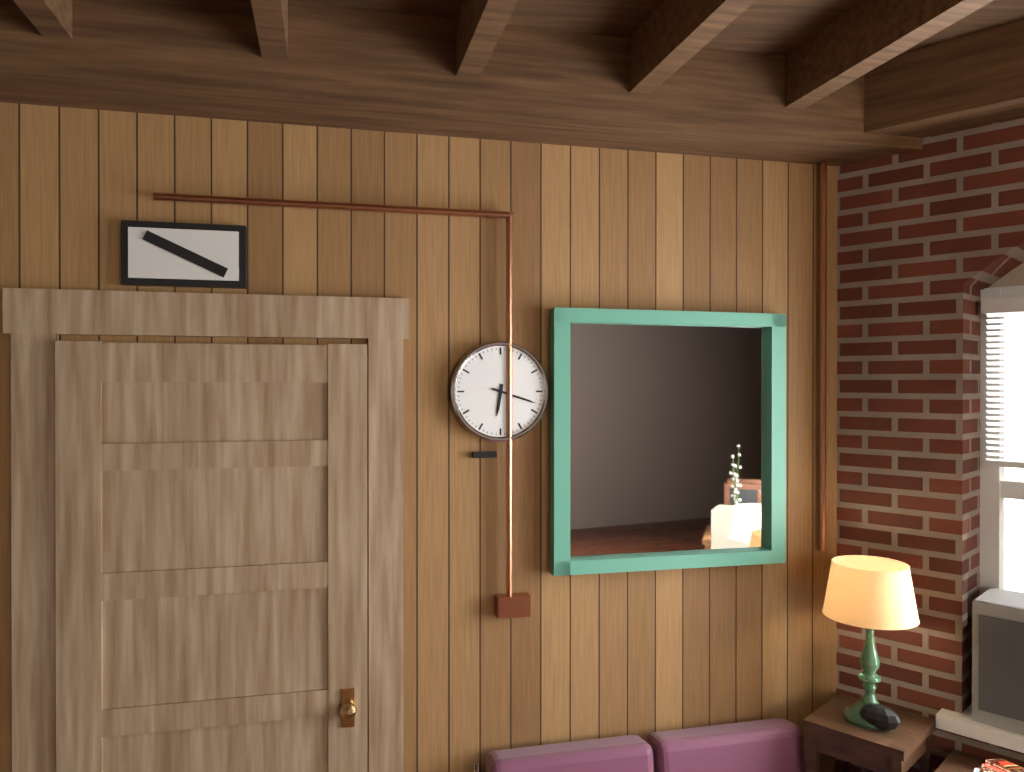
6:18
